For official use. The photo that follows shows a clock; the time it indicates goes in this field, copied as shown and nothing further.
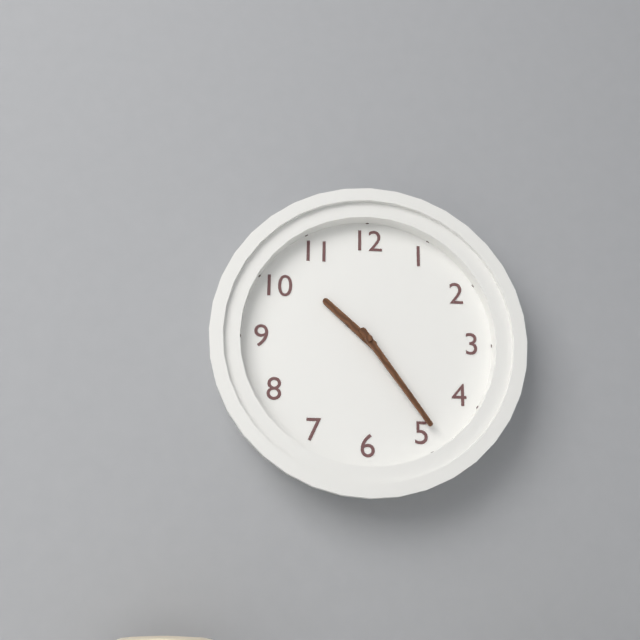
10:24
